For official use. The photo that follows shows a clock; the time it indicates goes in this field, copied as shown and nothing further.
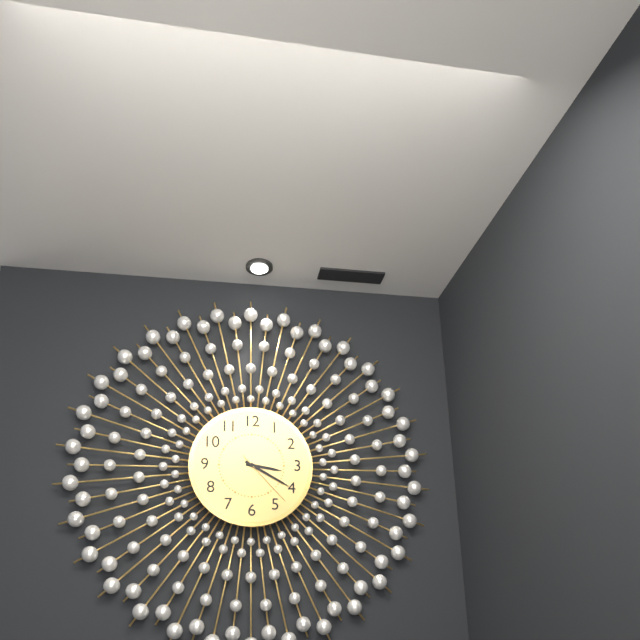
3:20:23
